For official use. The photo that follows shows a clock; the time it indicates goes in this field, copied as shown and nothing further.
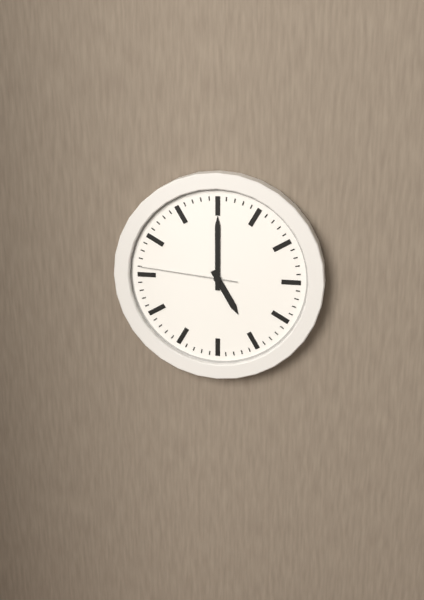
5:00:46
